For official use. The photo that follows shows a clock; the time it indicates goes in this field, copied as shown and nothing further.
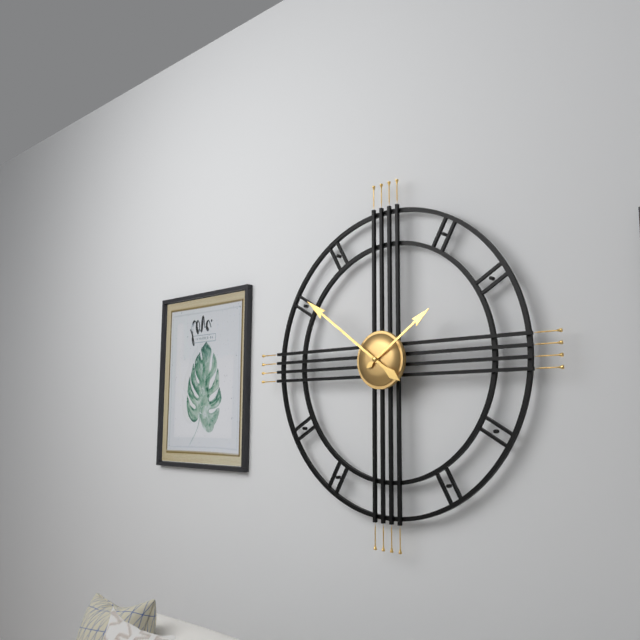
1:51
